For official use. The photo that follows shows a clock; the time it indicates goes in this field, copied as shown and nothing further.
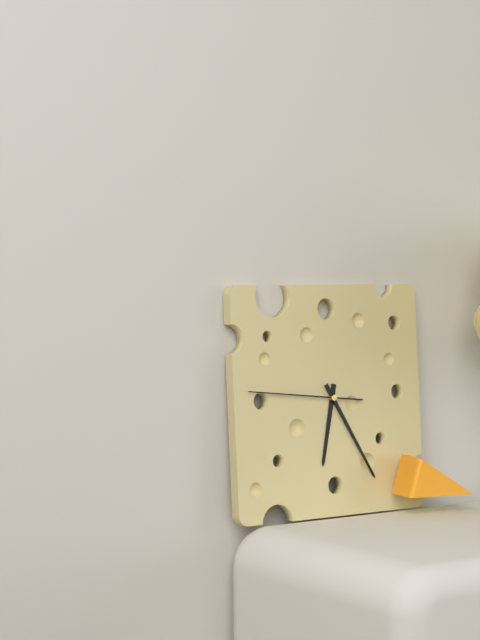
6:25:46
